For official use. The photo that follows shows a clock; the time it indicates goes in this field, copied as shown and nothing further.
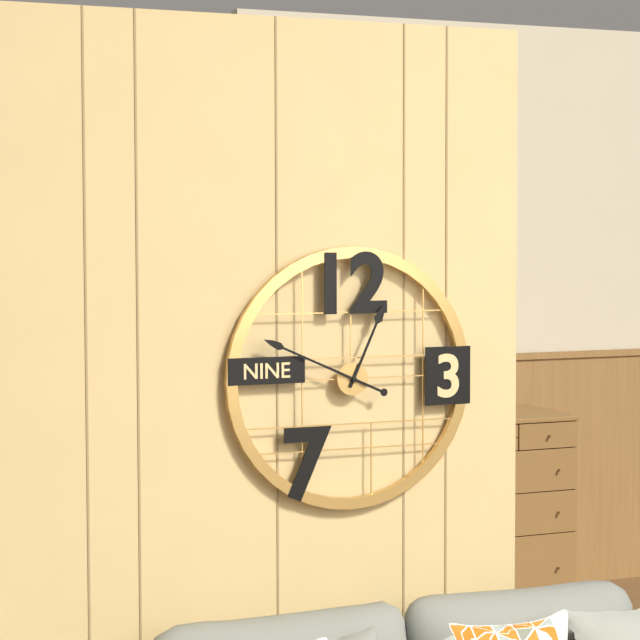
12:49
